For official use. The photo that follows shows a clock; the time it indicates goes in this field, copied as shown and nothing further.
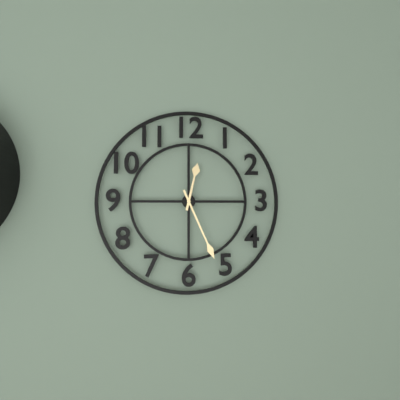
12:26
